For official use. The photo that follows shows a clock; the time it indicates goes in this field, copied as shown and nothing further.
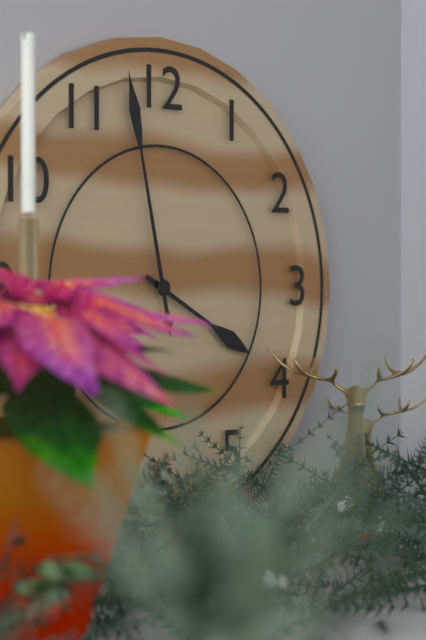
3:58
